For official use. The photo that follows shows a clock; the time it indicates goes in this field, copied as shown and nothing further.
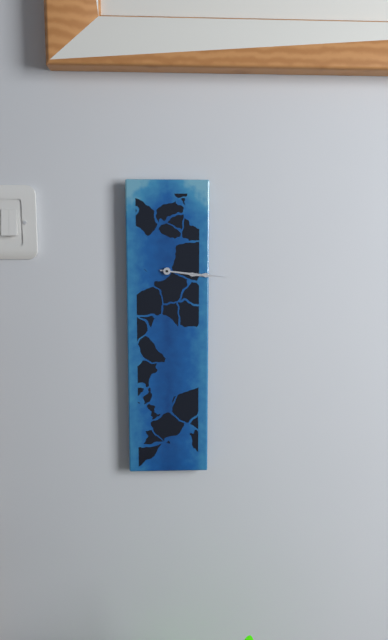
3:16
